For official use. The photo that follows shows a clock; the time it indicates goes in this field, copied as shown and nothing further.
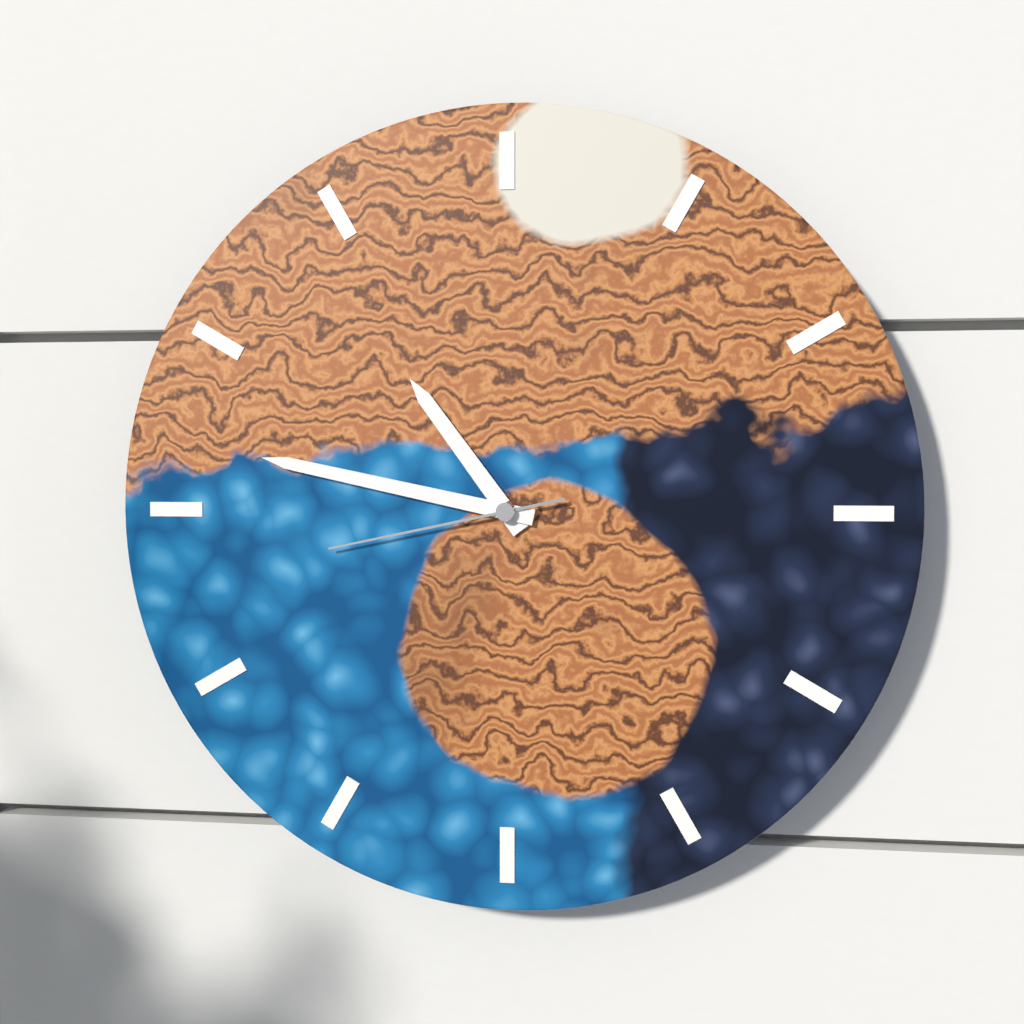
10:47:43
